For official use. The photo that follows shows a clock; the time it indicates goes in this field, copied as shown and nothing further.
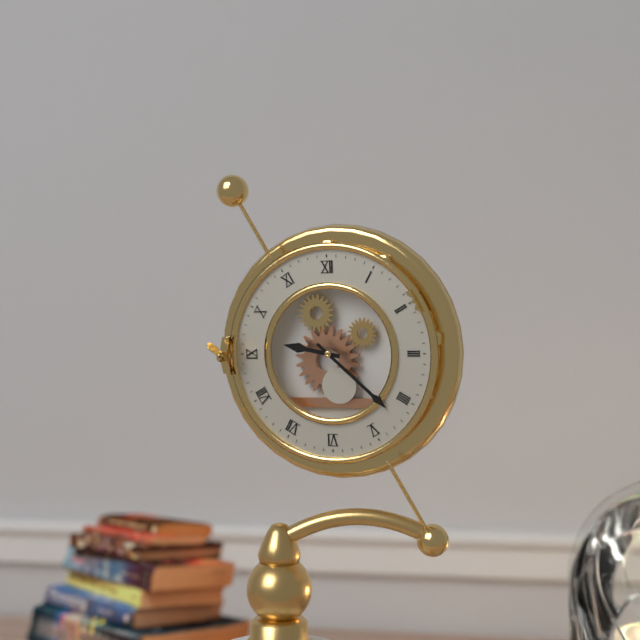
9:22
